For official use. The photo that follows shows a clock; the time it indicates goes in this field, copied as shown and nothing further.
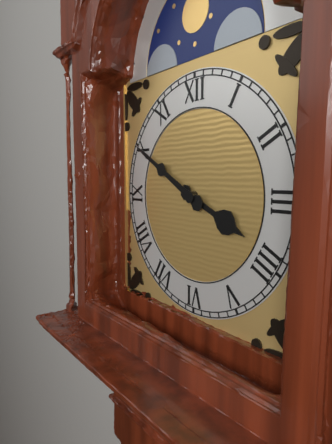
3:50
